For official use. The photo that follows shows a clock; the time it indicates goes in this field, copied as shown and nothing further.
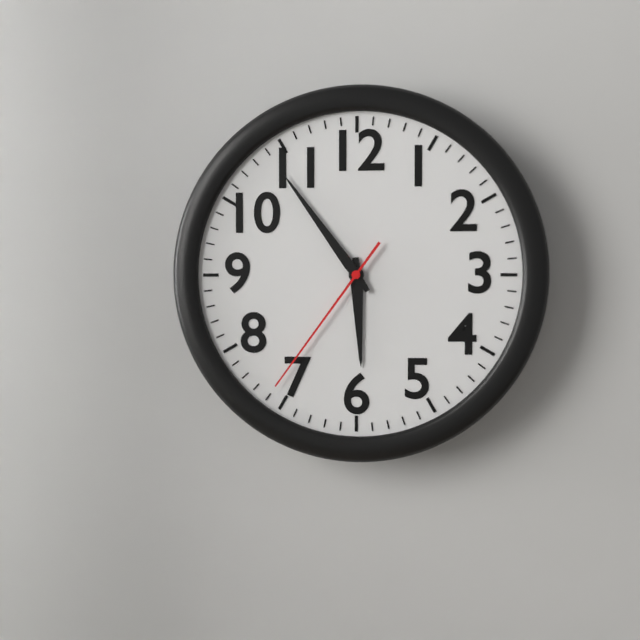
5:54:36
